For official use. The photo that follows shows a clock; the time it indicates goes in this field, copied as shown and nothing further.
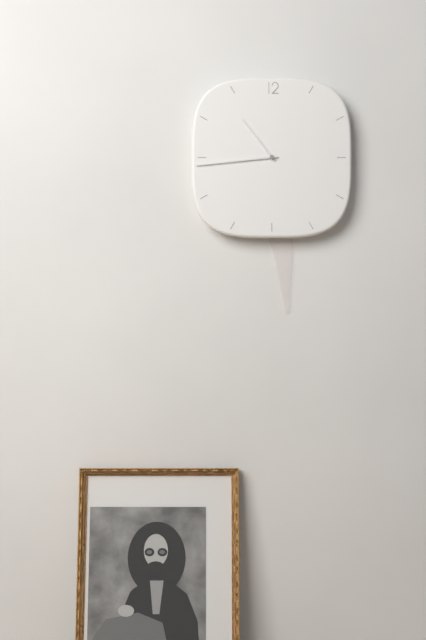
10:44
